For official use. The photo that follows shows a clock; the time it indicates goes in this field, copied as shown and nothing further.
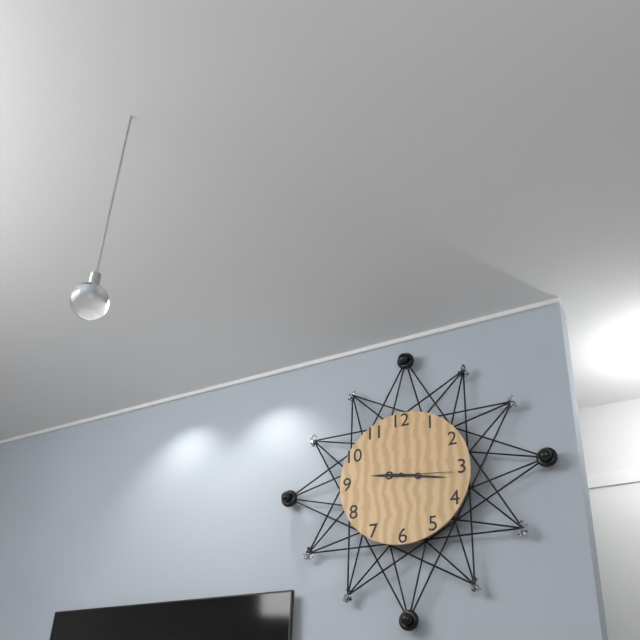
9:17:16
